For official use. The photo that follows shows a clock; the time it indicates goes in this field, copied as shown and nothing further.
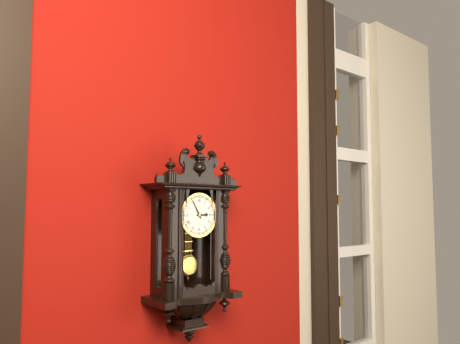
2:55
